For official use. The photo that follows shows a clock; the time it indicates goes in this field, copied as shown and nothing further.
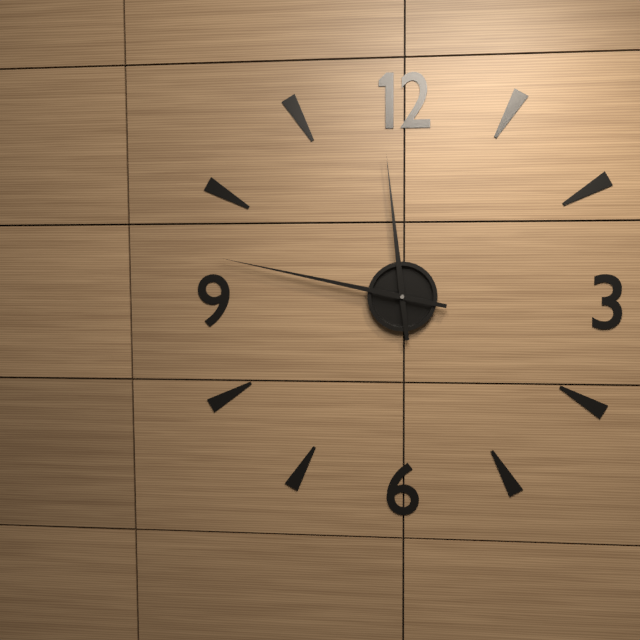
11:47
